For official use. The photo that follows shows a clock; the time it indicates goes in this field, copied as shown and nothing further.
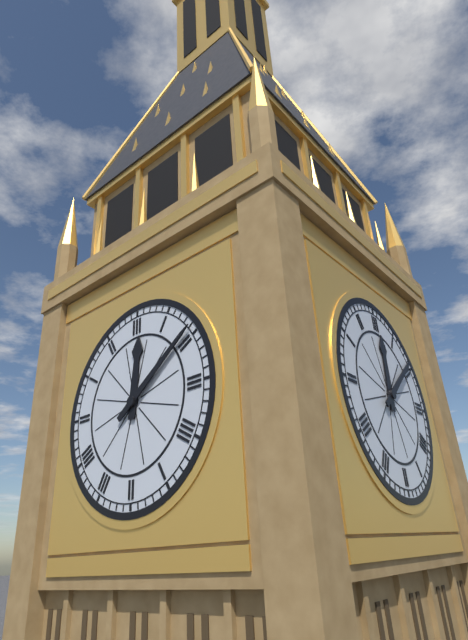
12:09
